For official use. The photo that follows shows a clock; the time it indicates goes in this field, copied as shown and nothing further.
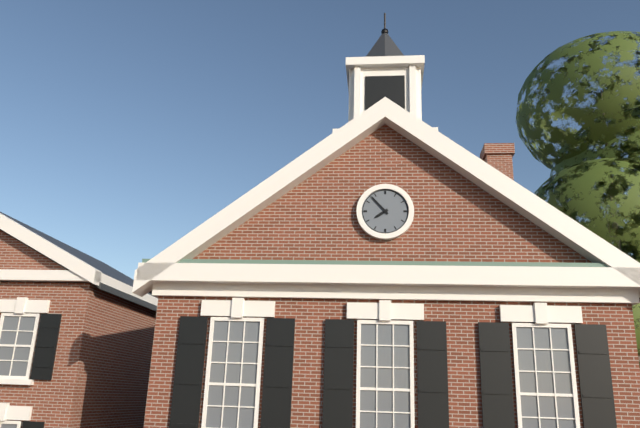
7:53
